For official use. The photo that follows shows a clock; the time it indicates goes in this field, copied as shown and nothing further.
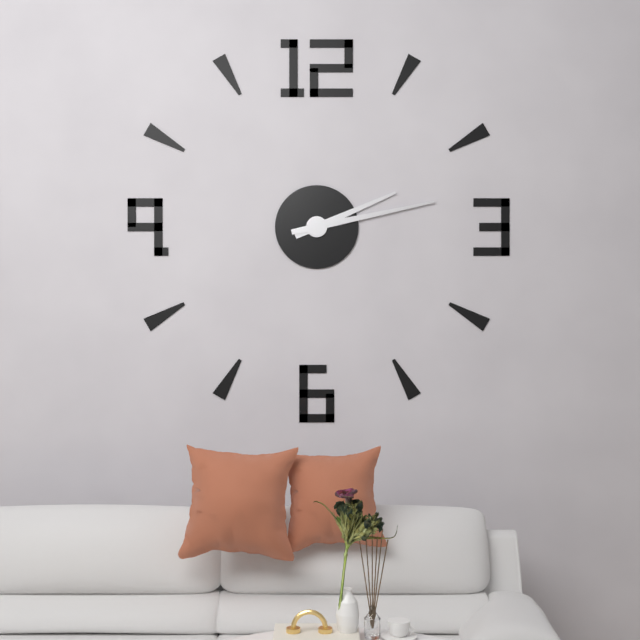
2:13
